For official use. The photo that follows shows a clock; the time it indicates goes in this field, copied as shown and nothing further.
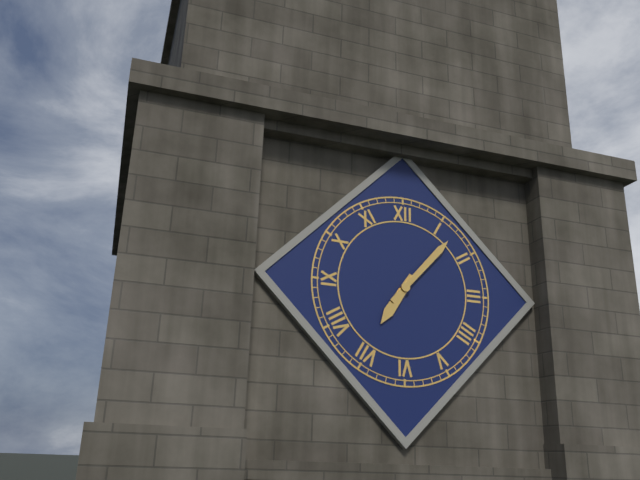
7:07
